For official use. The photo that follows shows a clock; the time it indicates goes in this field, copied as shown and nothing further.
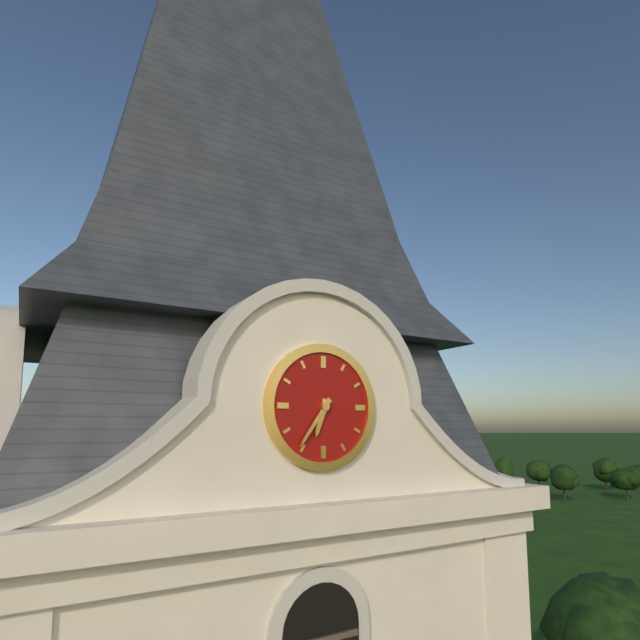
6:36
